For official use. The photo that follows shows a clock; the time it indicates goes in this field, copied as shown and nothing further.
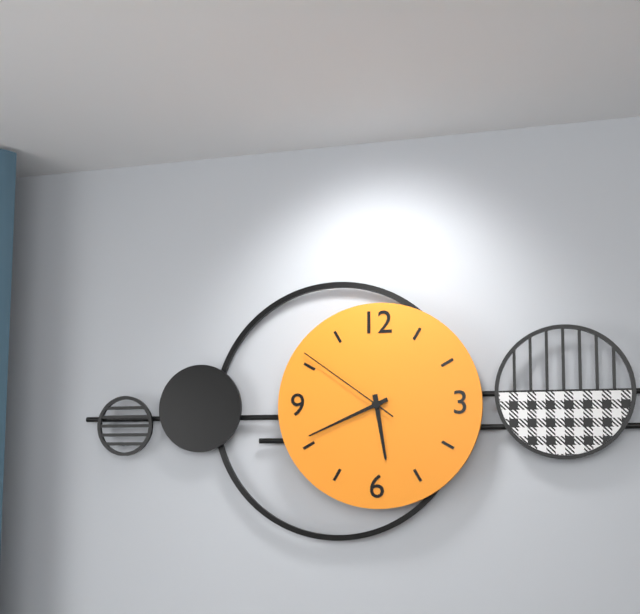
5:41:51
